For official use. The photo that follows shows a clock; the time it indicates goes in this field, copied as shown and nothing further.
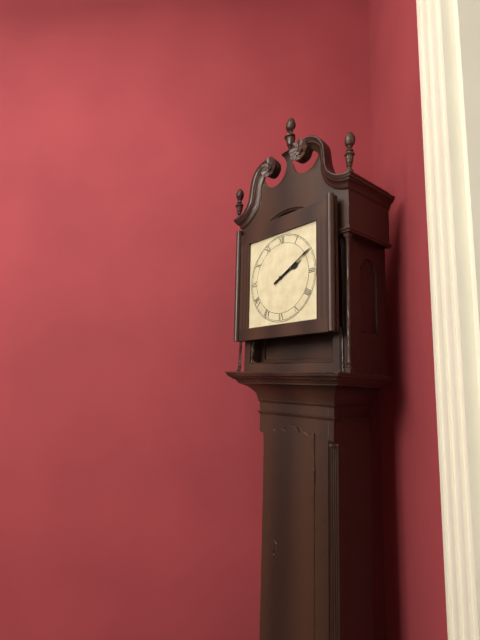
2:10
